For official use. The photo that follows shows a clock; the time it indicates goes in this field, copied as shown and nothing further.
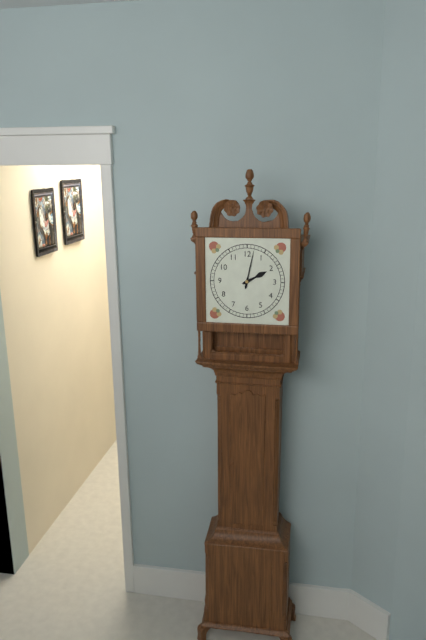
2:02
